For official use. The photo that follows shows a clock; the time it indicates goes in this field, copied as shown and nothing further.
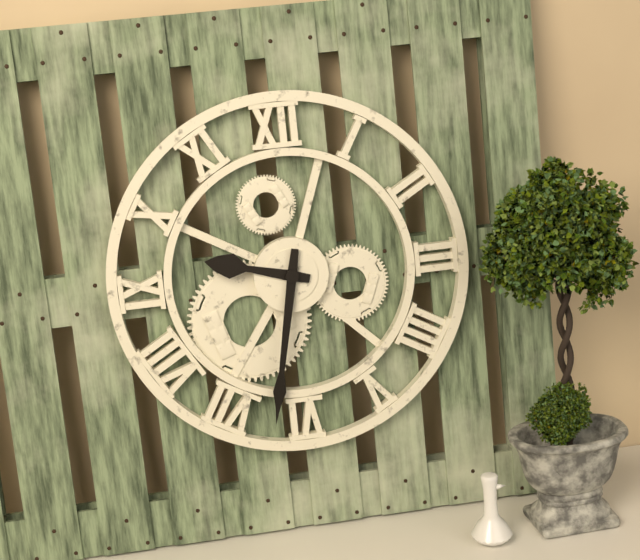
9:32
